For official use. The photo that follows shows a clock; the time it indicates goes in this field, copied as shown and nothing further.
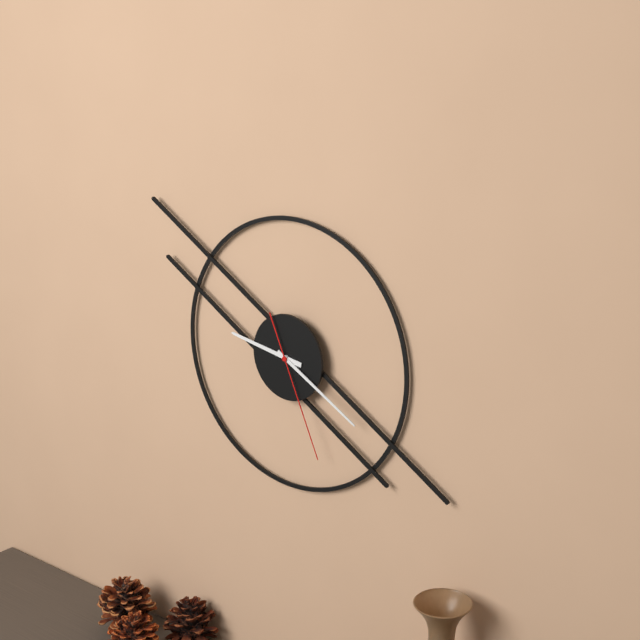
9:20:26
